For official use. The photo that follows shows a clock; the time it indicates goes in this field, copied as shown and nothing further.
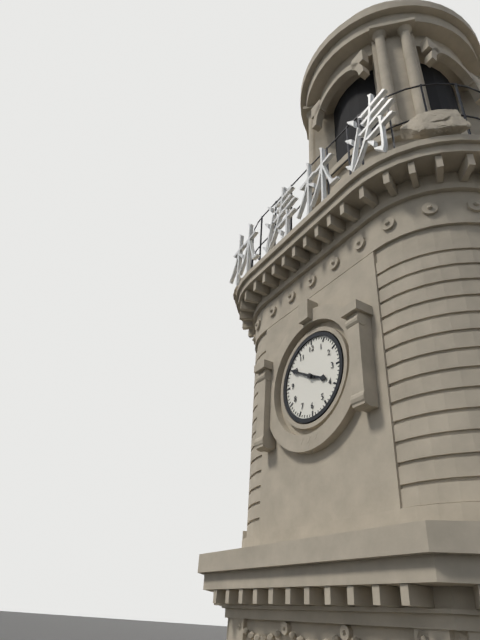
3:50
